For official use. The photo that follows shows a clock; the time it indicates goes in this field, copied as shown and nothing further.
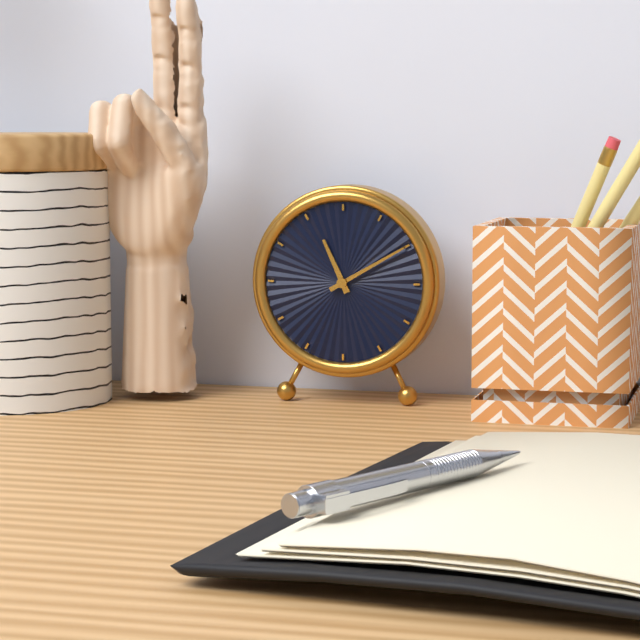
11:10
